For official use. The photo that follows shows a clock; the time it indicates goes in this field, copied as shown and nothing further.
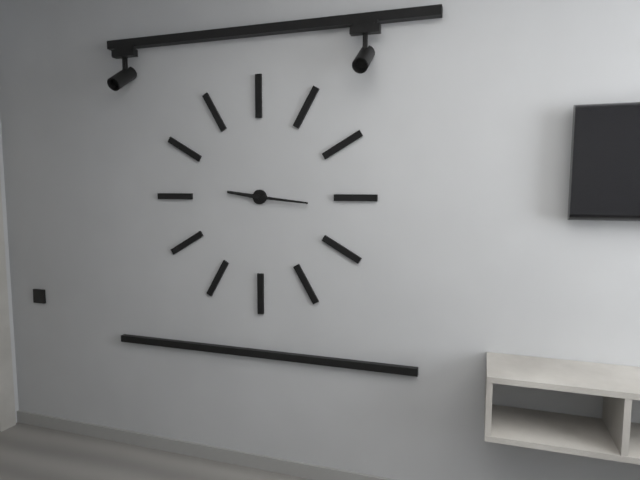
9:16
